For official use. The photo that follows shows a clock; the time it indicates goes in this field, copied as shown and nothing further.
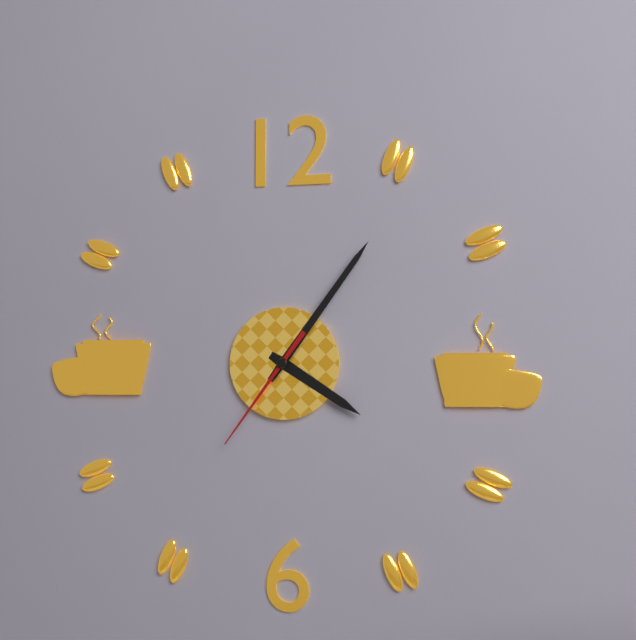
4:06:36
